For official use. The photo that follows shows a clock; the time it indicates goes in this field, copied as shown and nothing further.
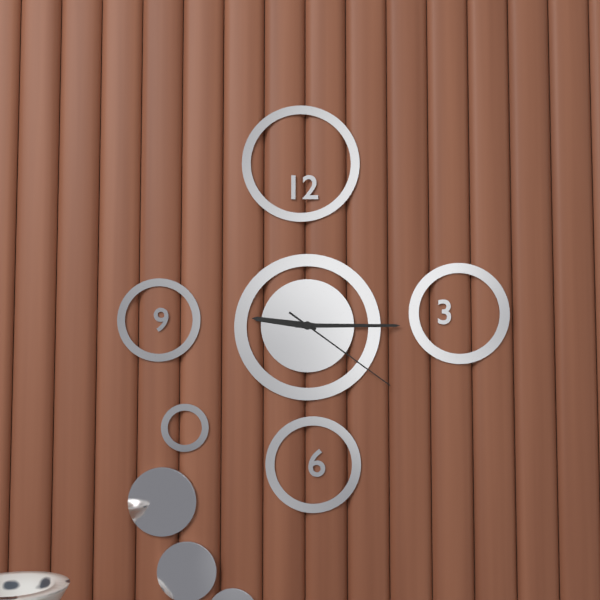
9:15:21
